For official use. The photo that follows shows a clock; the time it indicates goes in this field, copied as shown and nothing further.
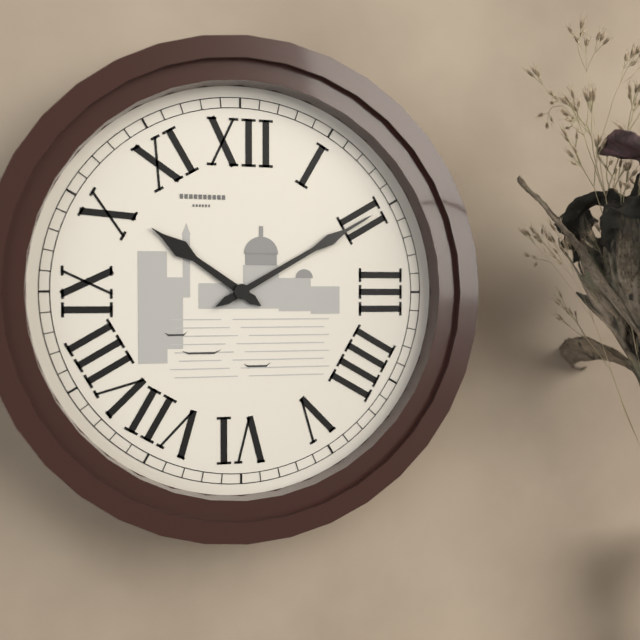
10:10
